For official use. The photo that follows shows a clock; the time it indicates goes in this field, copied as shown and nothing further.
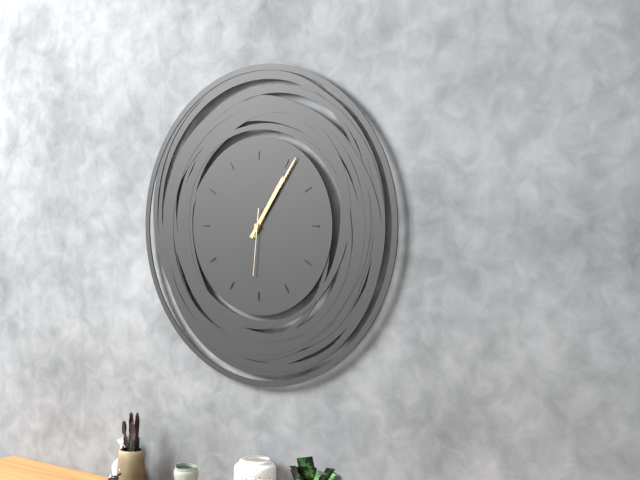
1:06:31
